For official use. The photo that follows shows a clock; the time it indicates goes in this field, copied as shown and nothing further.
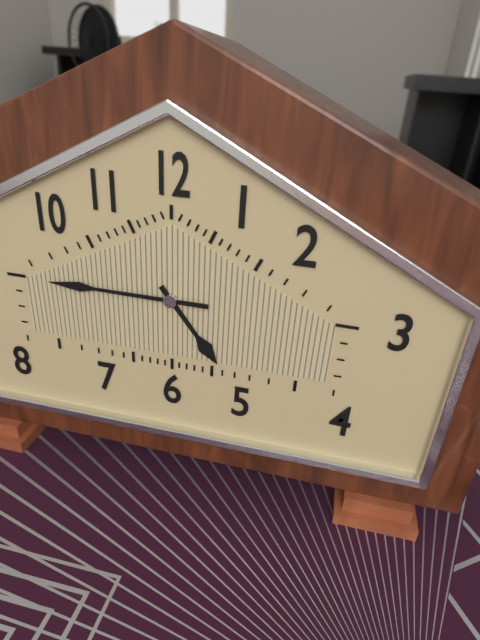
4:45
